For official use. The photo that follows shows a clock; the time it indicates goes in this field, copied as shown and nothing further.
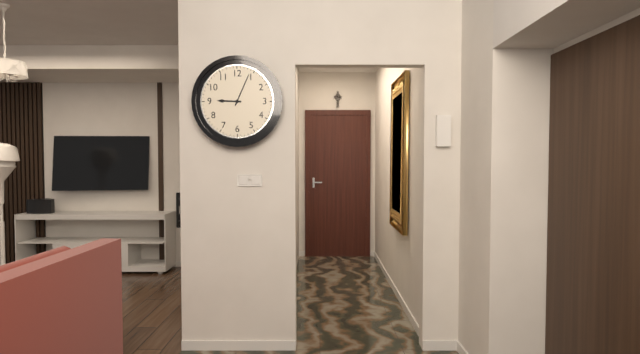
9:04
